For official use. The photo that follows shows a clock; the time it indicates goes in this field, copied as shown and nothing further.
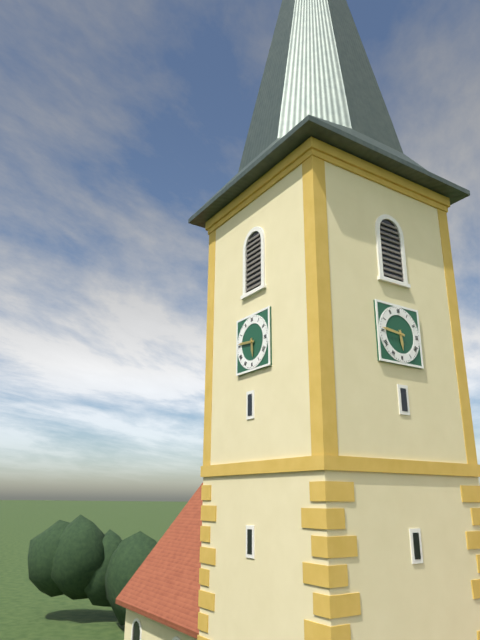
5:46
